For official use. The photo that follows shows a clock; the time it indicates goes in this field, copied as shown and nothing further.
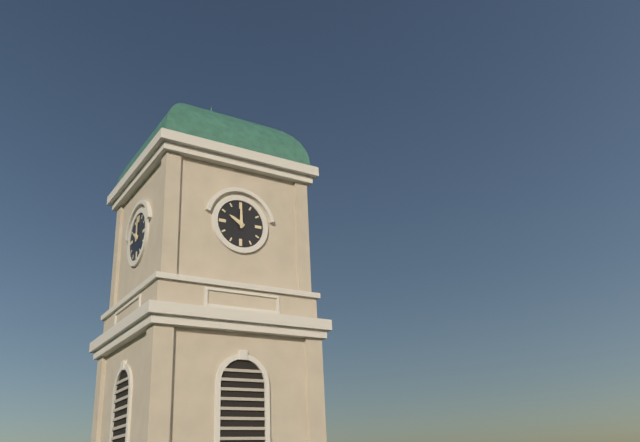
10:00
